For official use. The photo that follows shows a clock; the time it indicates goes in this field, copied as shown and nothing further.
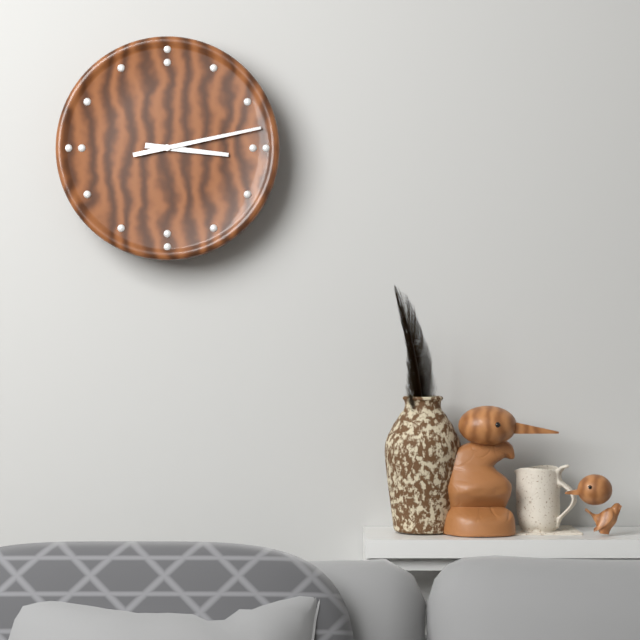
3:13
